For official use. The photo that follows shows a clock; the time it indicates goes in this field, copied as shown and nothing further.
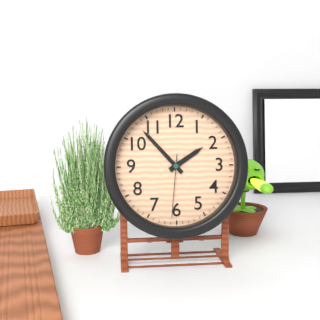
1:53:31
